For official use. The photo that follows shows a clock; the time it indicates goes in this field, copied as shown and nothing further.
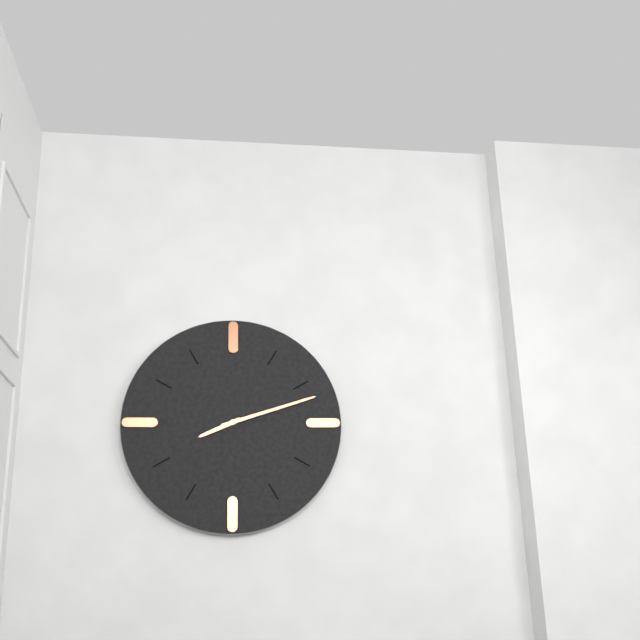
8:12
